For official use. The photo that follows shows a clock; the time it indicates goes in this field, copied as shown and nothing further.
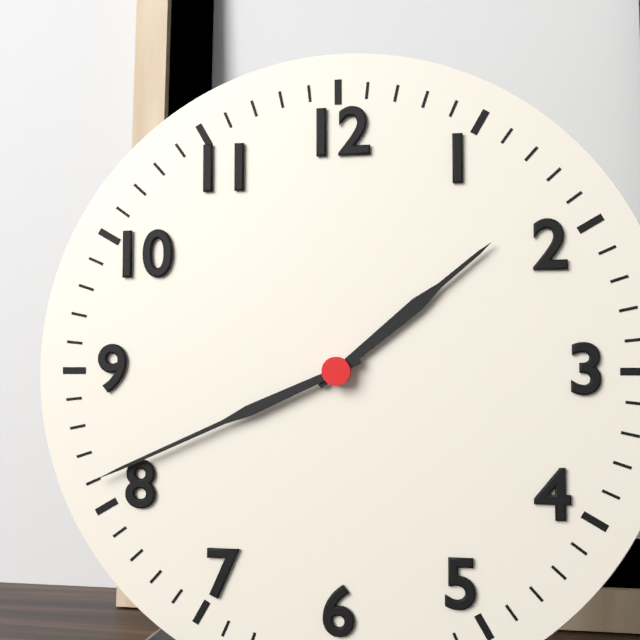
1:41
